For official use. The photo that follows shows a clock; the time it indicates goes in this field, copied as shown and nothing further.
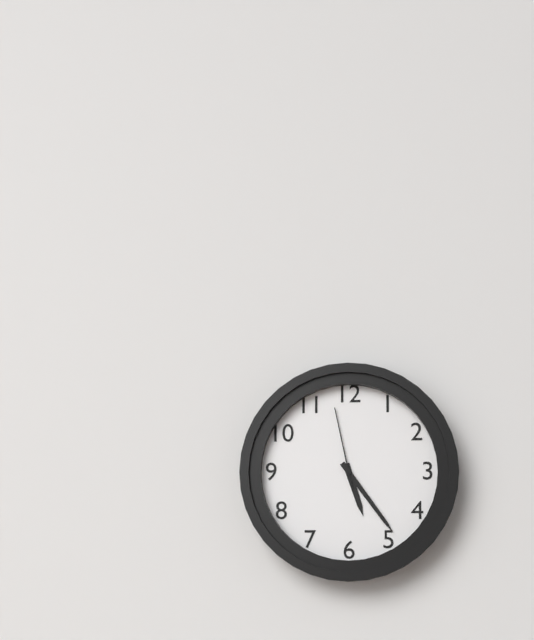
5:24:58
